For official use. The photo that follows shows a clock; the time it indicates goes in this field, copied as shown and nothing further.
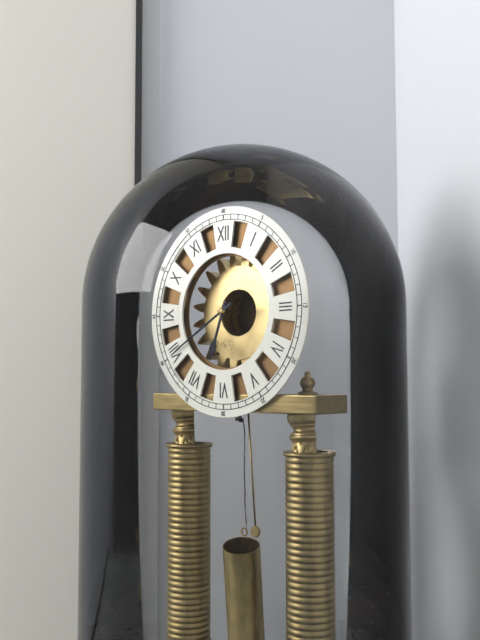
6:40
